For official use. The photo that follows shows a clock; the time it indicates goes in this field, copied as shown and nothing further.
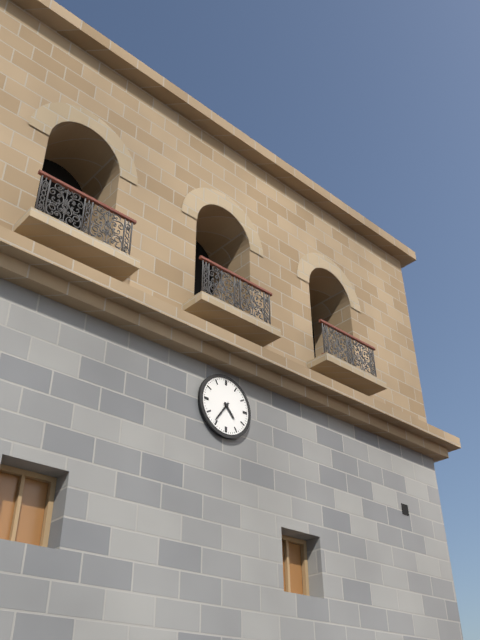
4:36
